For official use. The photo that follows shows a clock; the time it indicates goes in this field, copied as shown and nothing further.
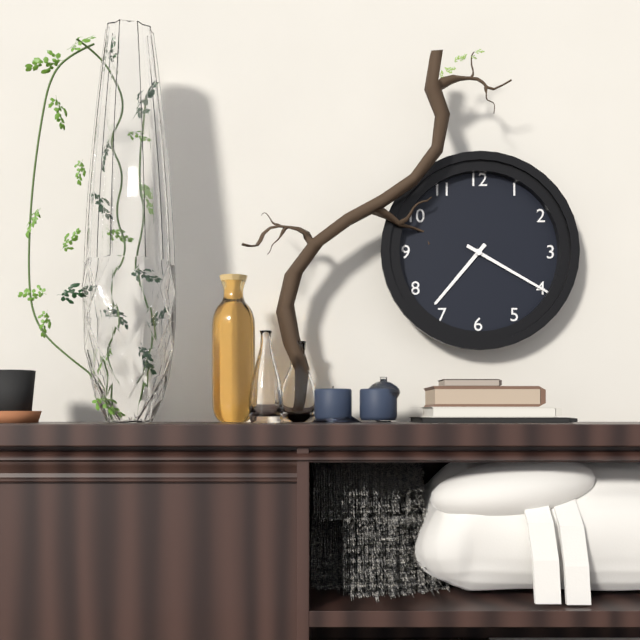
7:20
